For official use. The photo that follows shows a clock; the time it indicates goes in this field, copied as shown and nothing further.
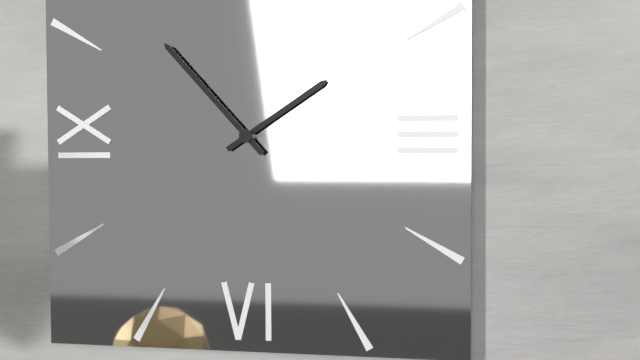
1:53
